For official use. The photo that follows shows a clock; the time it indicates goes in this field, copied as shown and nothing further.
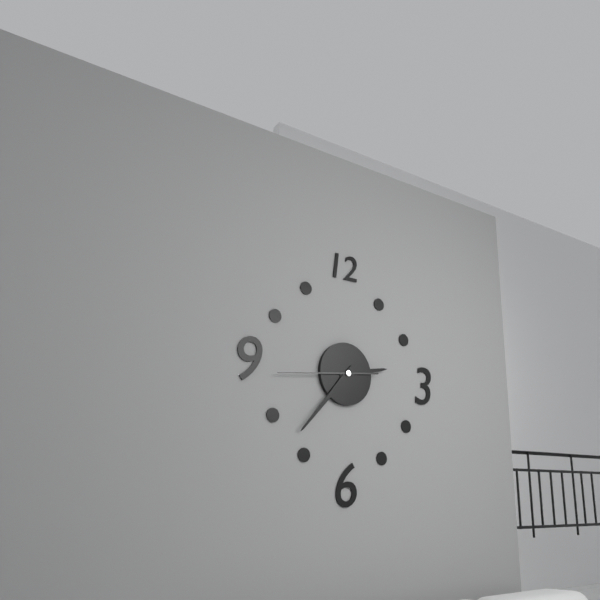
2:37:44
